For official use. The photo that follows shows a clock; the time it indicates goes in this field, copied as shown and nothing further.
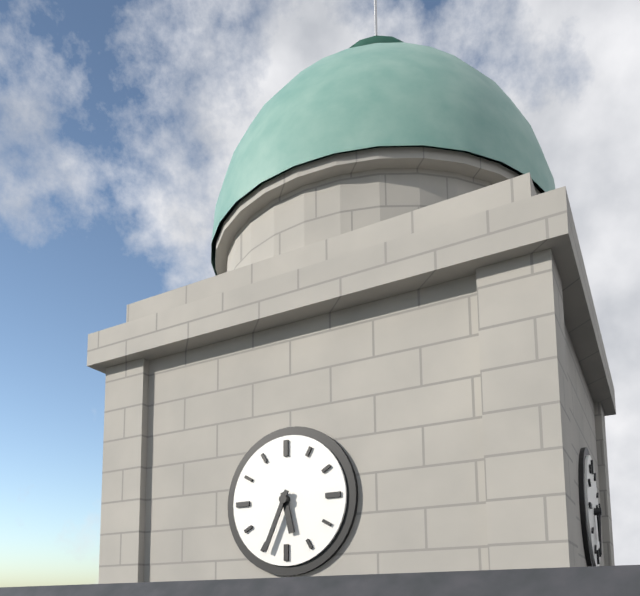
5:34
